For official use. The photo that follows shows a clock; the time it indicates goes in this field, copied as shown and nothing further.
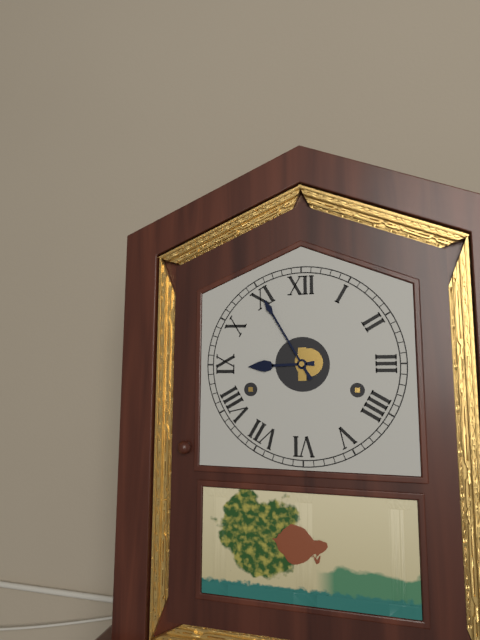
8:55
